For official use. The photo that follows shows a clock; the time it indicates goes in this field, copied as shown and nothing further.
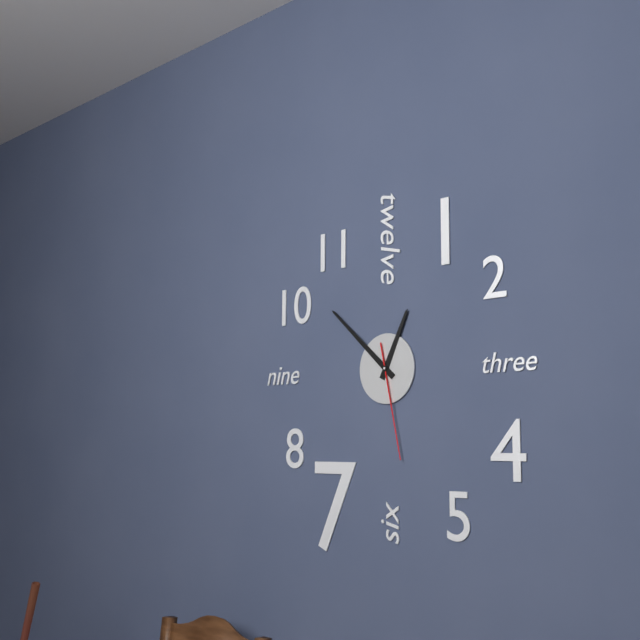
12:52:28
